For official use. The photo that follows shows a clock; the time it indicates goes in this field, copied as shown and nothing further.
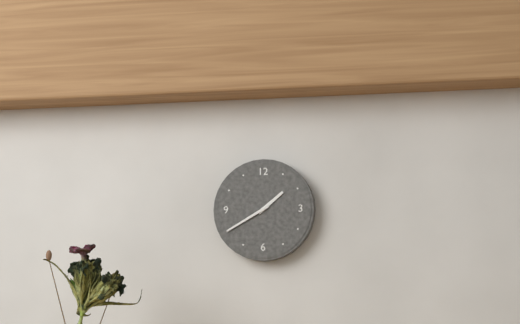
1:40
